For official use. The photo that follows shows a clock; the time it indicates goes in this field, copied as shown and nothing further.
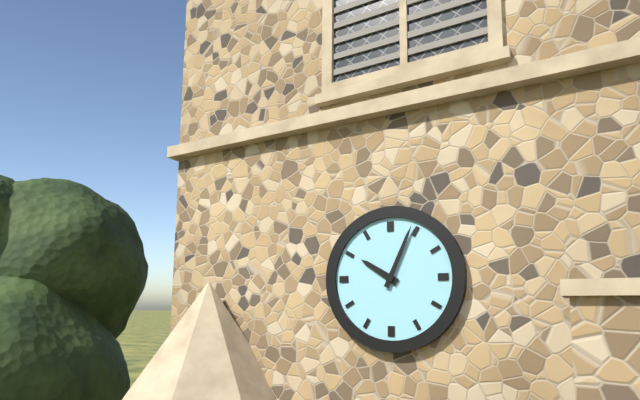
10:04
